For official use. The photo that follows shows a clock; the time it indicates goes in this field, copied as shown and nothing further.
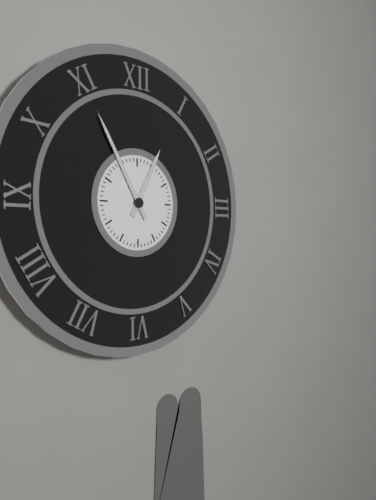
12:55
